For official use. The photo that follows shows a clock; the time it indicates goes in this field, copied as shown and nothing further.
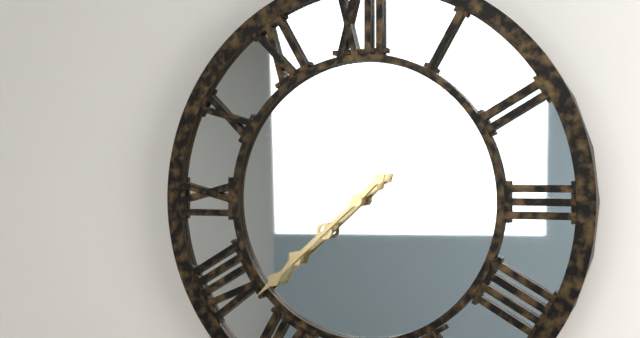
7:38
